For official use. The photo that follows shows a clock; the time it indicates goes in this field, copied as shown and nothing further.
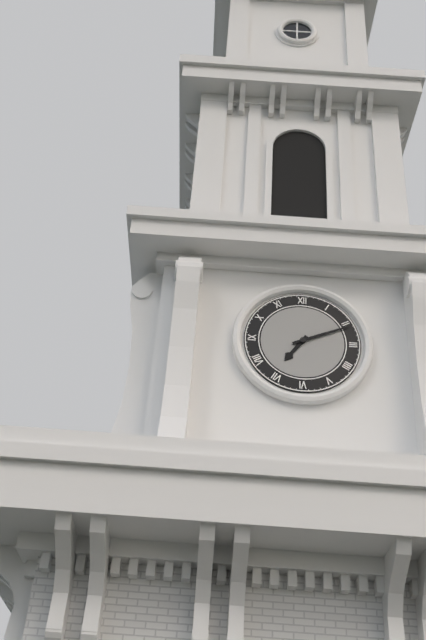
7:11
